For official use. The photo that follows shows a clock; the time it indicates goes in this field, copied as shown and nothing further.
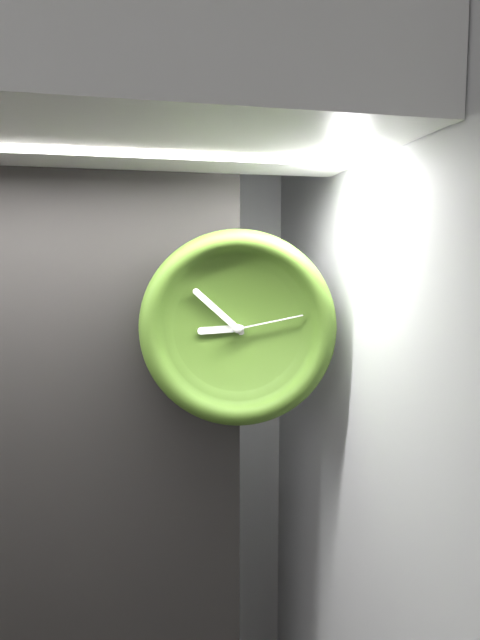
8:52:13
